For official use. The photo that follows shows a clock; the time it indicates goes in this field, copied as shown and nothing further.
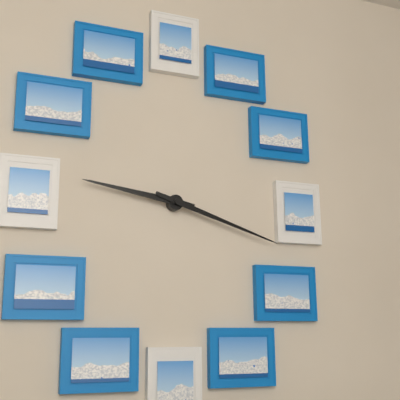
9:18
